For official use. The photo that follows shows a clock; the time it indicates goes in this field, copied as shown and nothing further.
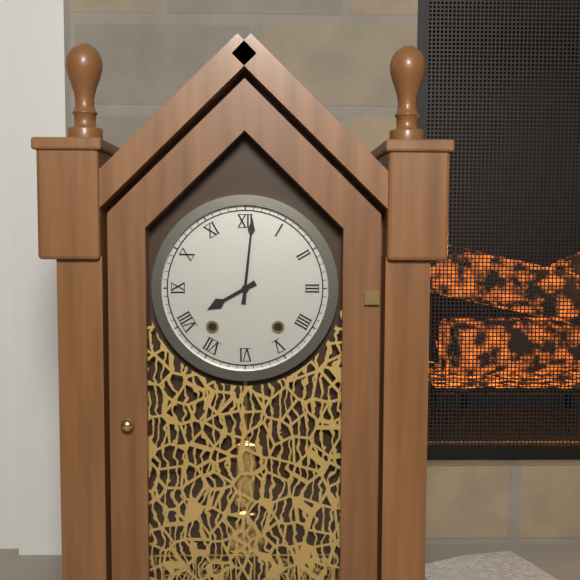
8:01
